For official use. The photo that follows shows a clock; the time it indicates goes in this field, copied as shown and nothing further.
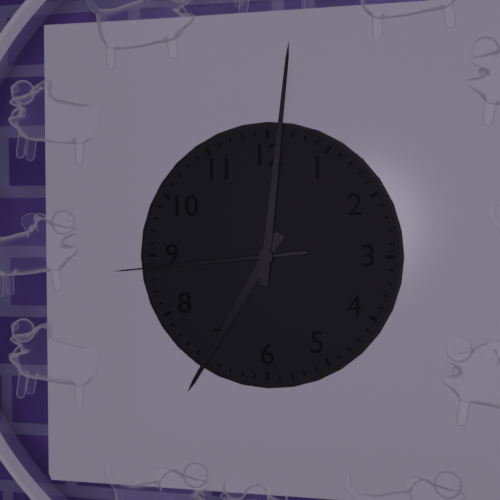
7:01:44
